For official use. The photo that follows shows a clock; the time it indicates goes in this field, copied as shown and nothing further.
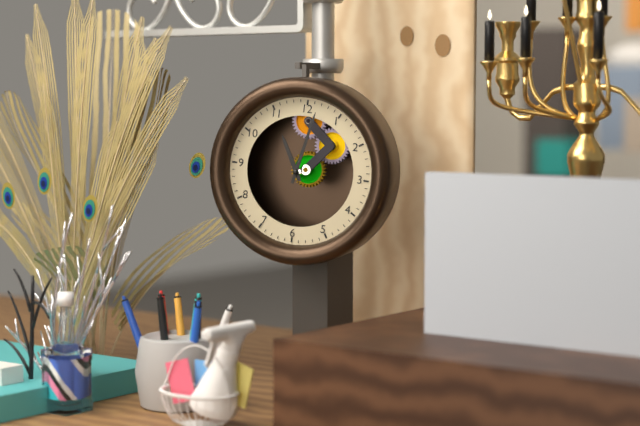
11:02
